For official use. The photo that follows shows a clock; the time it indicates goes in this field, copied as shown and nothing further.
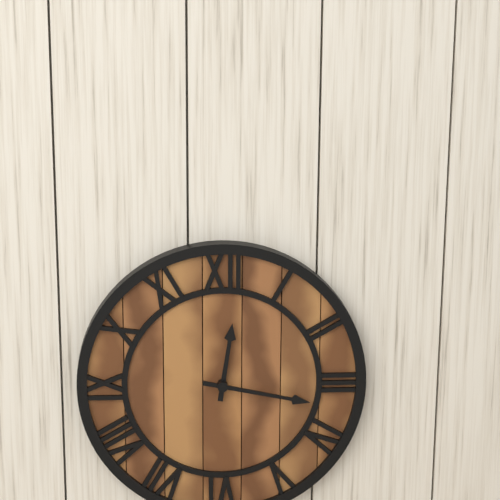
12:17
